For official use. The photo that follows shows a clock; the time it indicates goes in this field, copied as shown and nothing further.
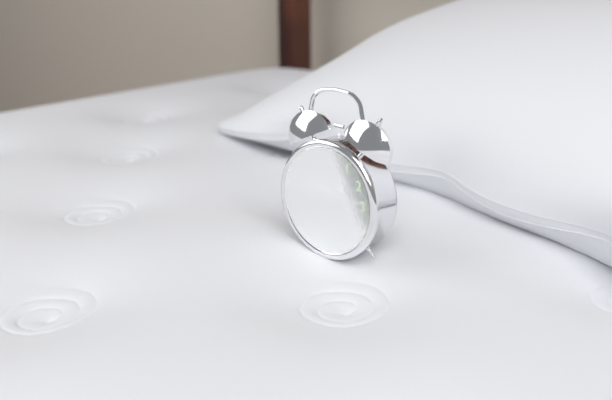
1:14:16
